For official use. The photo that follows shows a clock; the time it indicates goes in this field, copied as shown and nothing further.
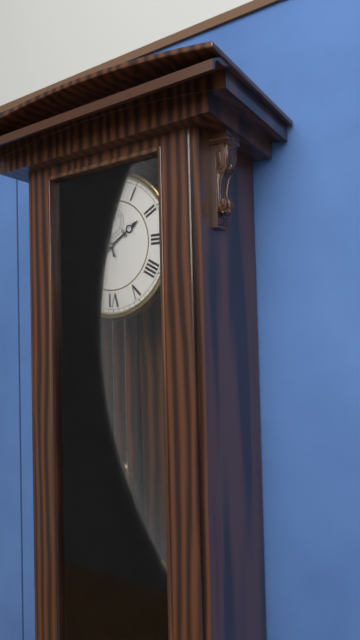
1:57
